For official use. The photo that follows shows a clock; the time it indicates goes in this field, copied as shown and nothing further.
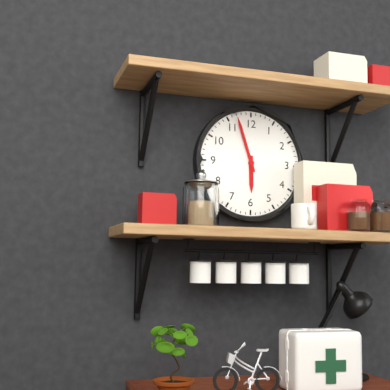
5:57
